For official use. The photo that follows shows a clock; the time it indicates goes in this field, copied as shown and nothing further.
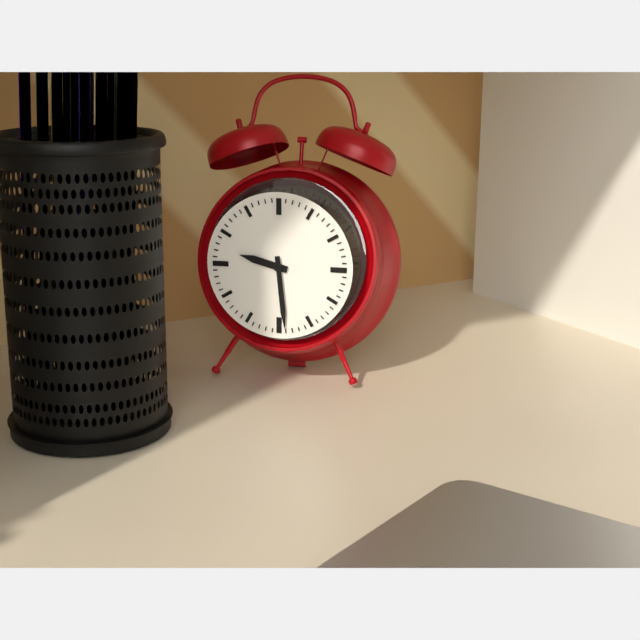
9:29
